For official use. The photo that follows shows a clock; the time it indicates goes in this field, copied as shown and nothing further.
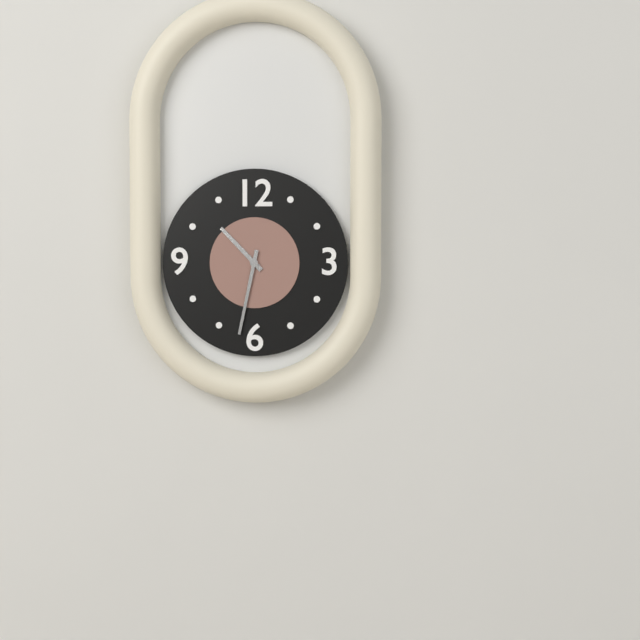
10:32
